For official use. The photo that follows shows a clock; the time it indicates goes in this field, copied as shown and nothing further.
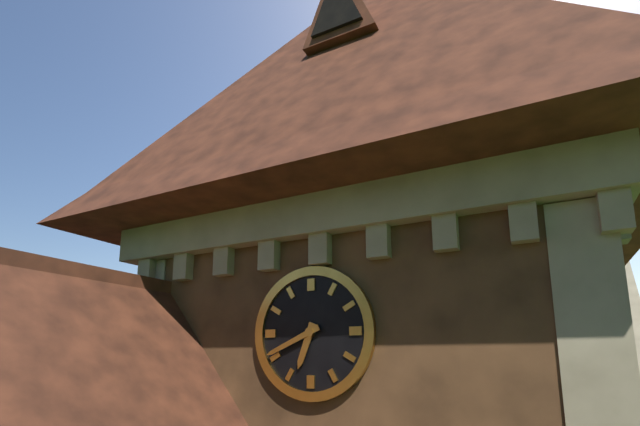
6:41
